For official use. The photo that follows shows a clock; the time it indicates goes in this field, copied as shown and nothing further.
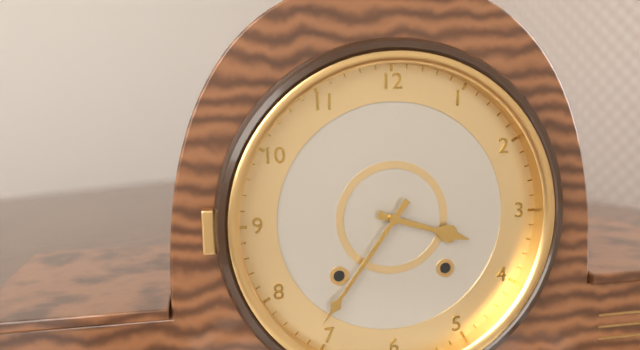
3:36
